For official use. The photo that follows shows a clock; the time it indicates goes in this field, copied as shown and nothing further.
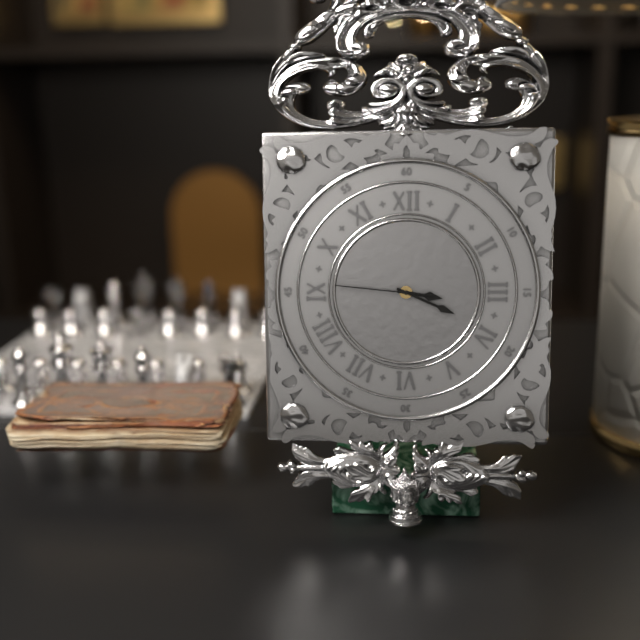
3:19:46
